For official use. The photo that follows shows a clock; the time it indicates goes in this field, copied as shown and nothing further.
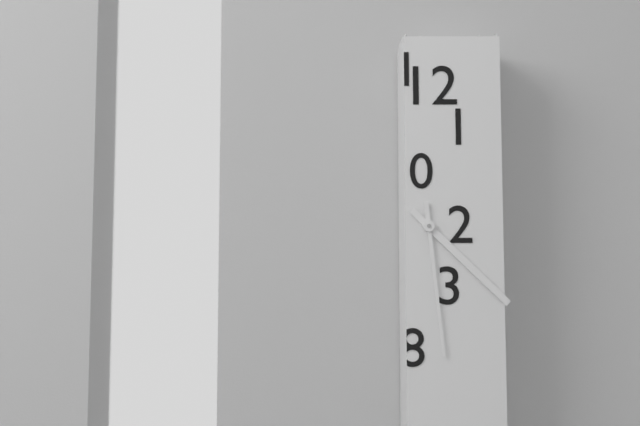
4:29
